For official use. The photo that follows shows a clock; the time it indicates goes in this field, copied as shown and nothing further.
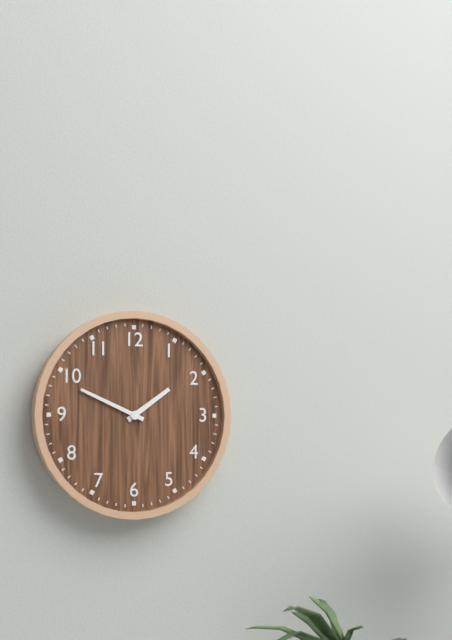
1:49
